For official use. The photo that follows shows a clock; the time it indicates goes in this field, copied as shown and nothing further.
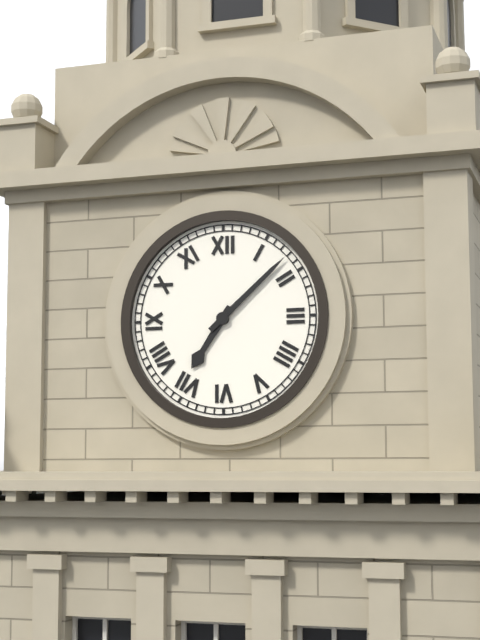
7:08
